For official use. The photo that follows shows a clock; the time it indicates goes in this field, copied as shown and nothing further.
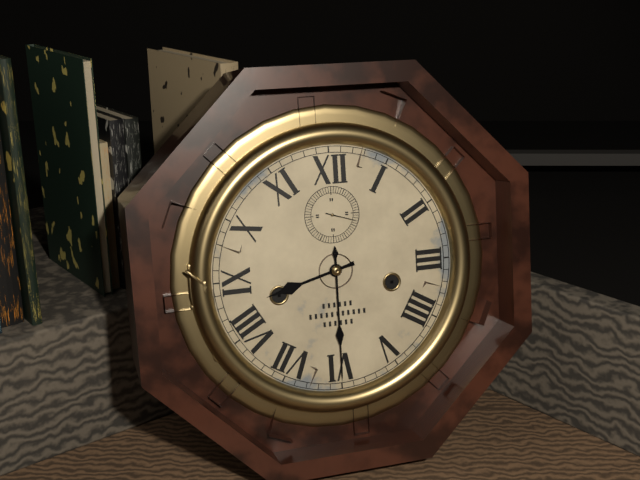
8:30
